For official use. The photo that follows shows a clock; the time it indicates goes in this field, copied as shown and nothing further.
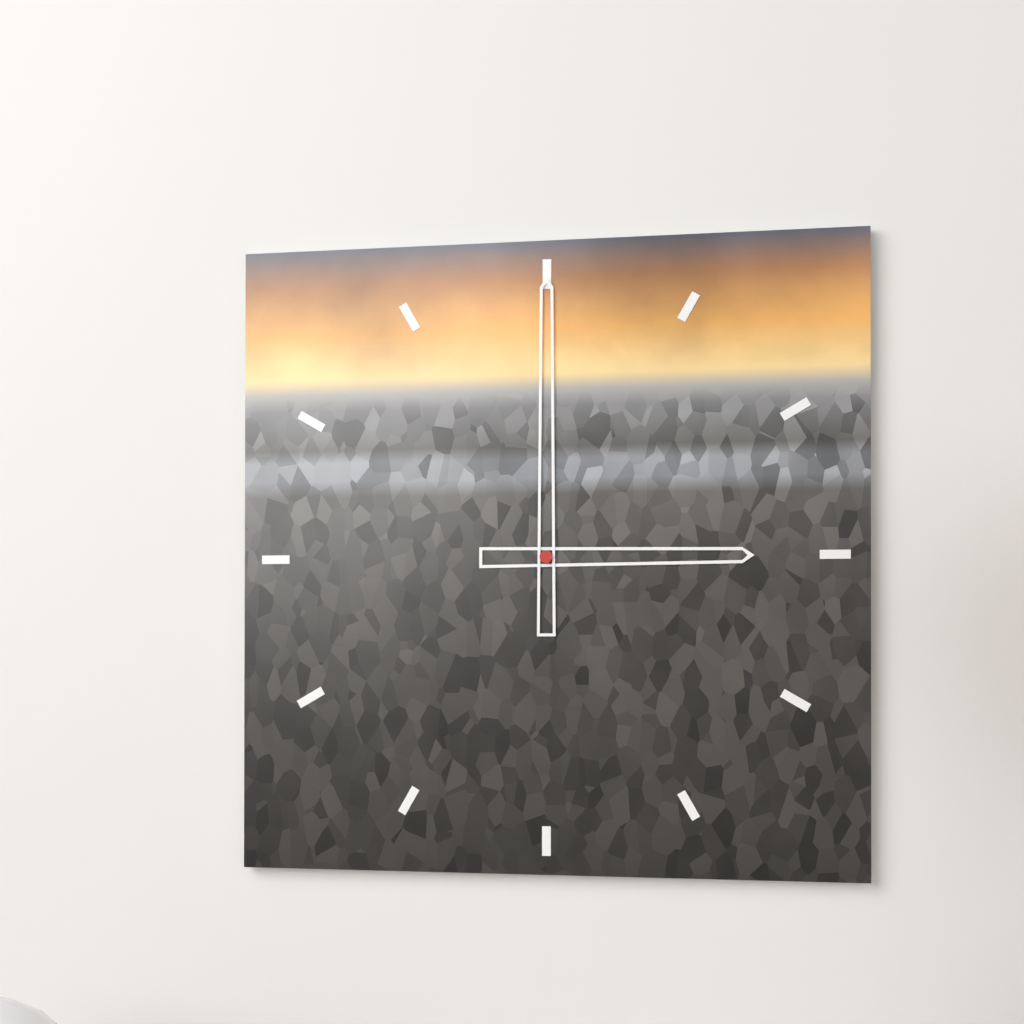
3:00
